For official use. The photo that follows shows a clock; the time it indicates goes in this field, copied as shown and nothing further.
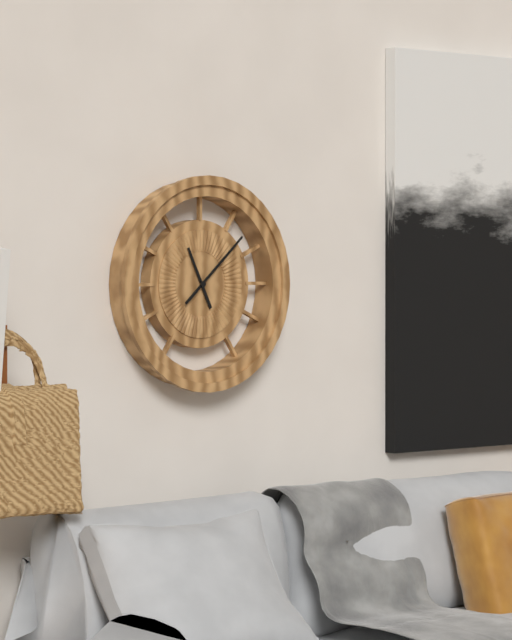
11:08
